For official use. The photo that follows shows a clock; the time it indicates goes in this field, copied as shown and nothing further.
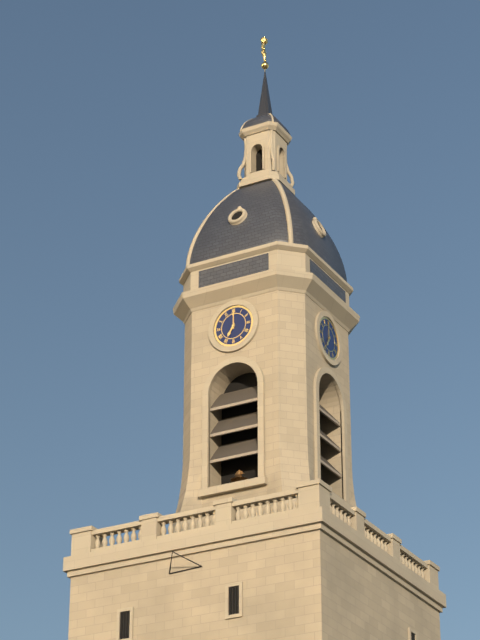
7:00
